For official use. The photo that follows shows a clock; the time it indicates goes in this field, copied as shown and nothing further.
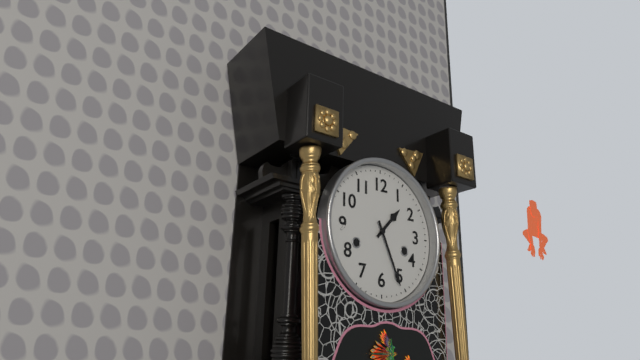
1:26
